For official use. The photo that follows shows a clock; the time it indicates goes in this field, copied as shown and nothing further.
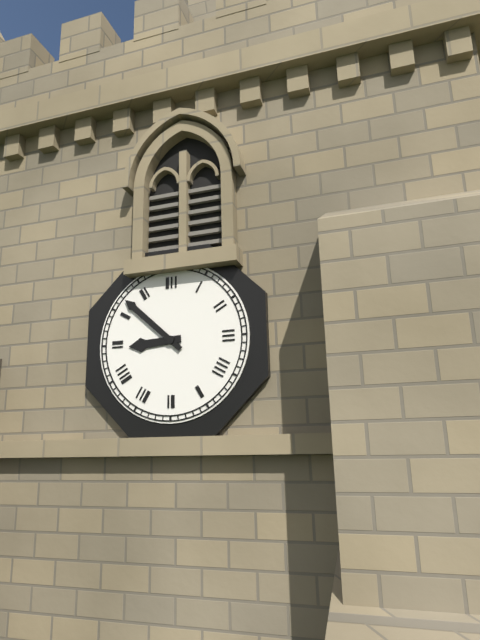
8:52
